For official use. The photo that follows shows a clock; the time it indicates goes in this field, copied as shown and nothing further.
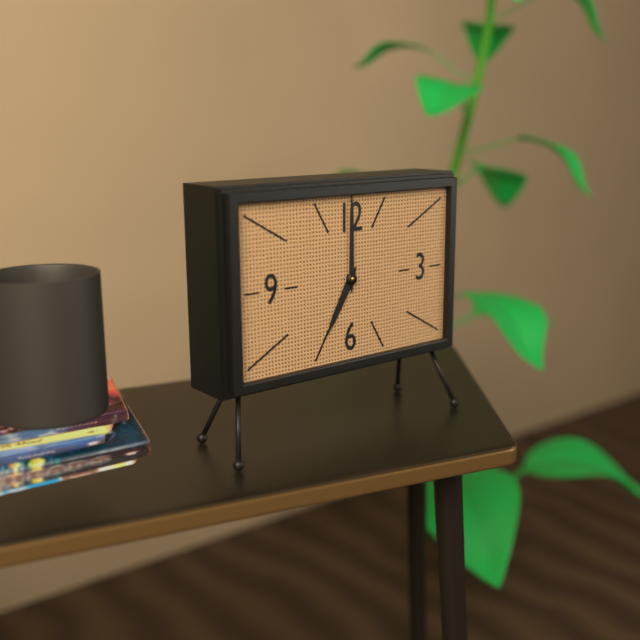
7:00
